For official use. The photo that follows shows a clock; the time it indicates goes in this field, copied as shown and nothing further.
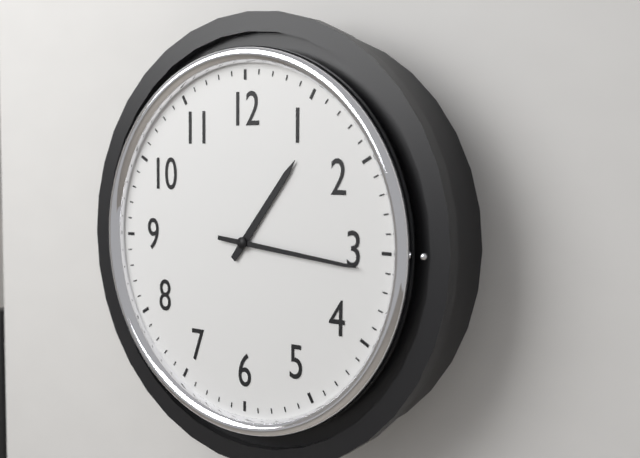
1:16
